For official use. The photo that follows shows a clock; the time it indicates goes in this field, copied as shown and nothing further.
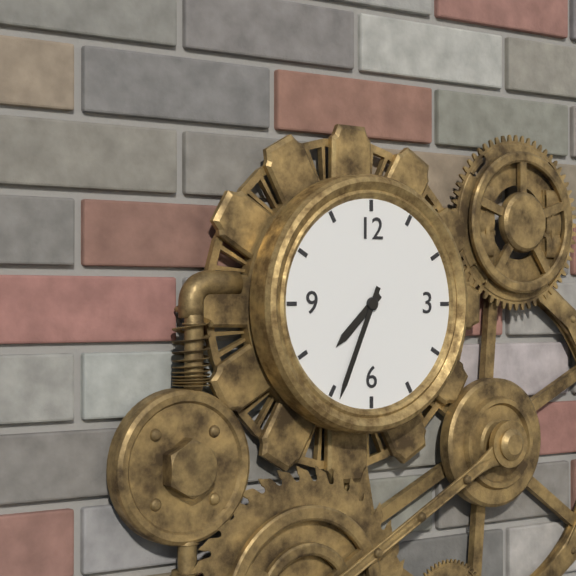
7:34
